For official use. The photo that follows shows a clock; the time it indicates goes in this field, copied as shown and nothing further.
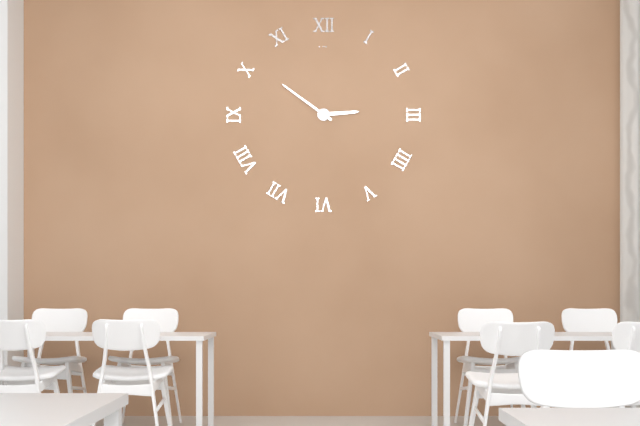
2:51
